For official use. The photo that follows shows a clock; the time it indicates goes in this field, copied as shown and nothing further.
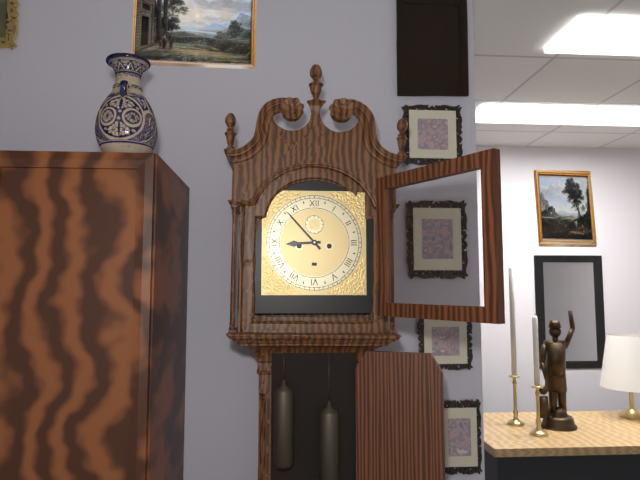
8:53
